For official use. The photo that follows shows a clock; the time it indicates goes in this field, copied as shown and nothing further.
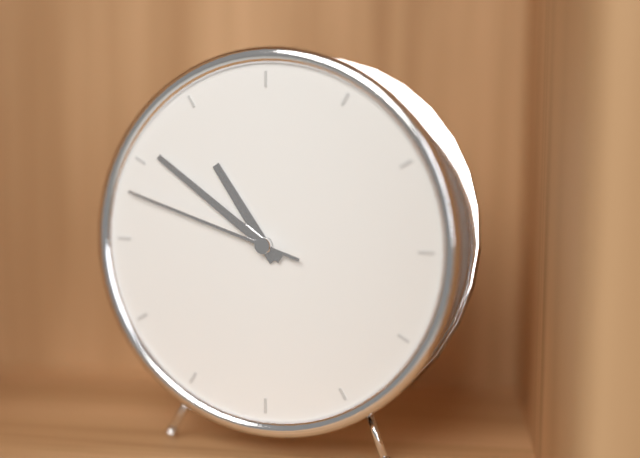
10:51:48
